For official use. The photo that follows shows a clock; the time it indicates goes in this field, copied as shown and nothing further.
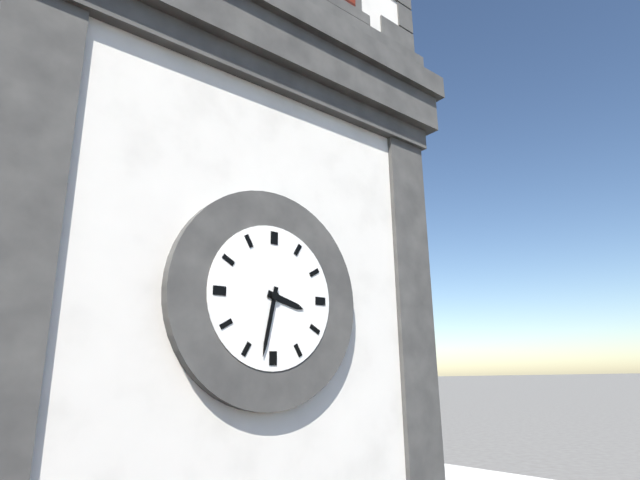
3:32
